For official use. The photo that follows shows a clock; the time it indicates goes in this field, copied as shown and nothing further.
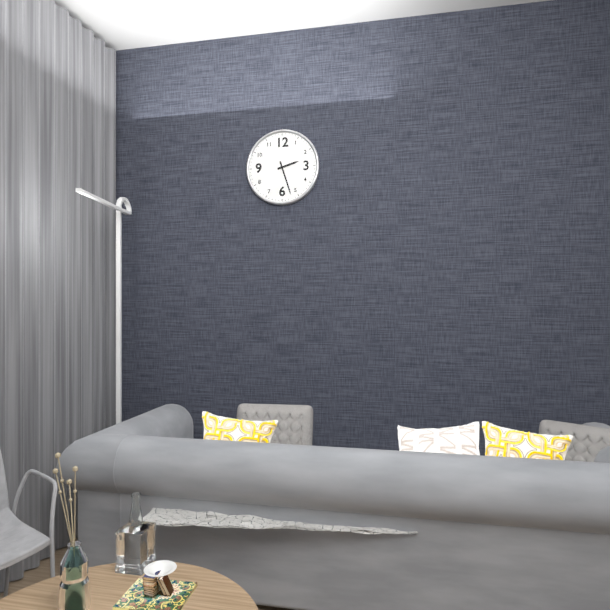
2:27
